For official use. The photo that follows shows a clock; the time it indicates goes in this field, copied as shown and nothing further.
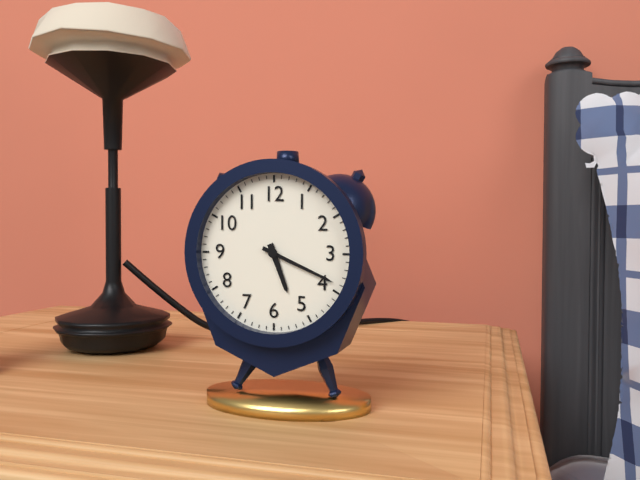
5:19
